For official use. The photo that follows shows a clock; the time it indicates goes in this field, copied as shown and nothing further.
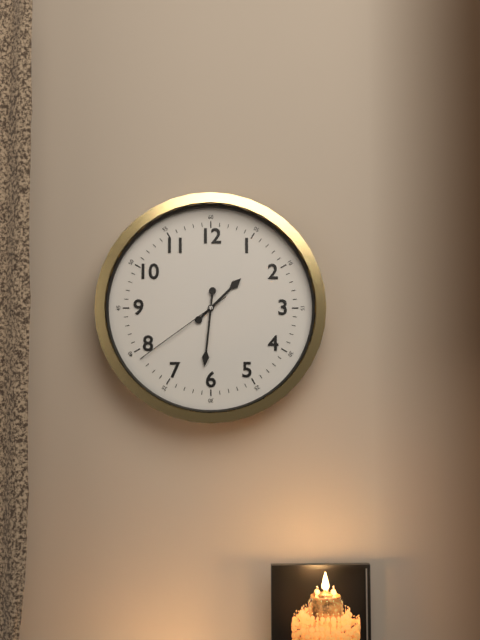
1:31:39
